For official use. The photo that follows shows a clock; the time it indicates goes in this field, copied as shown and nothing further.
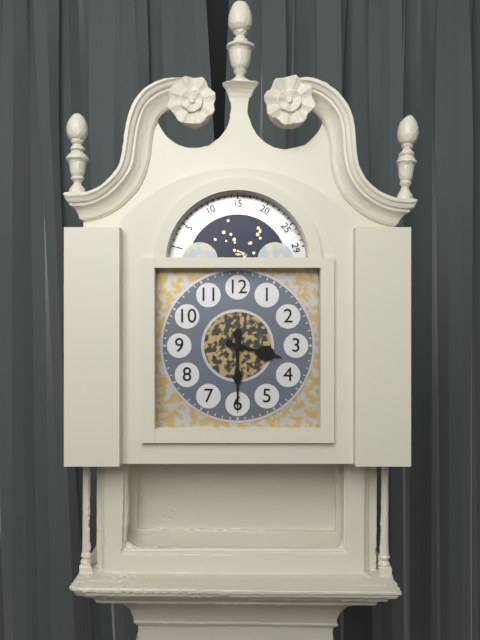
3:30
